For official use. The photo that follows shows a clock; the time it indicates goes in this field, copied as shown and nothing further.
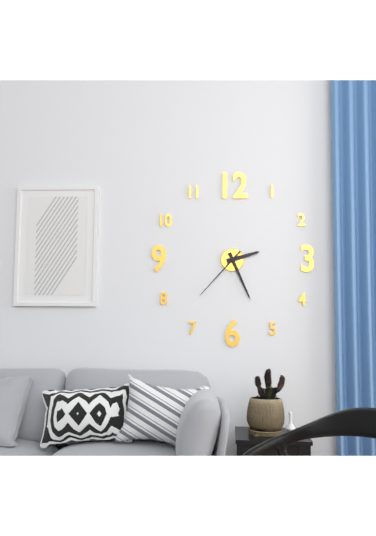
2:26:37
